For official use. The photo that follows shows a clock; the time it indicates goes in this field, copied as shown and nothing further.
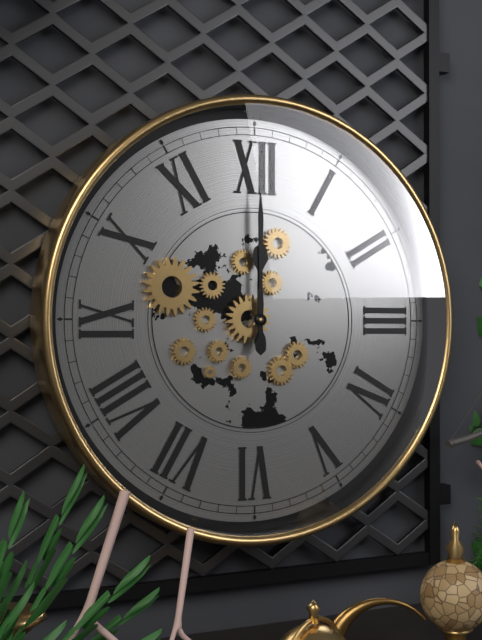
12:00
